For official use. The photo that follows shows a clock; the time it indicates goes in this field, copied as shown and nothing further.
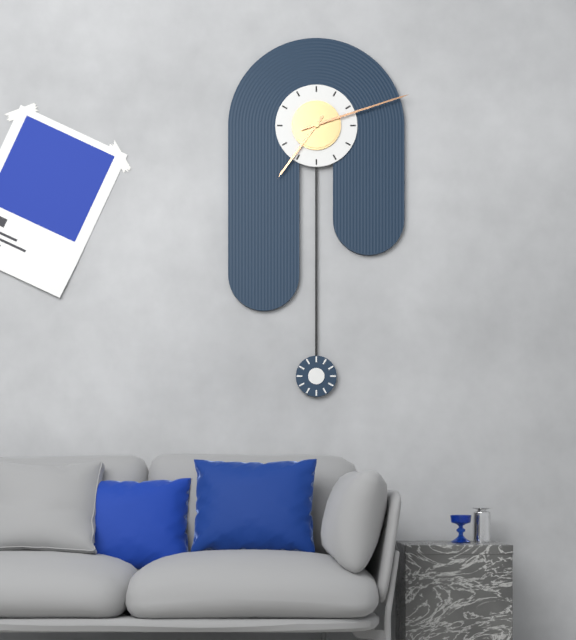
7:12
